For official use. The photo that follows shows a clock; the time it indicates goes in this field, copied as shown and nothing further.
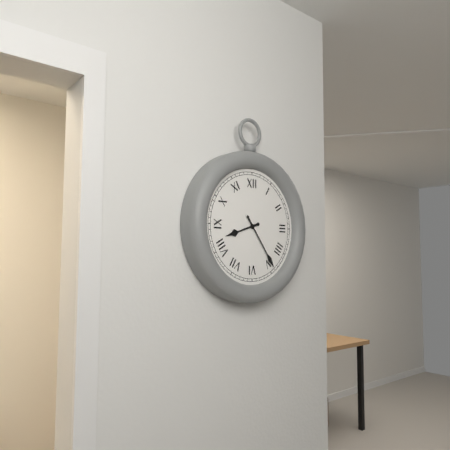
8:24
